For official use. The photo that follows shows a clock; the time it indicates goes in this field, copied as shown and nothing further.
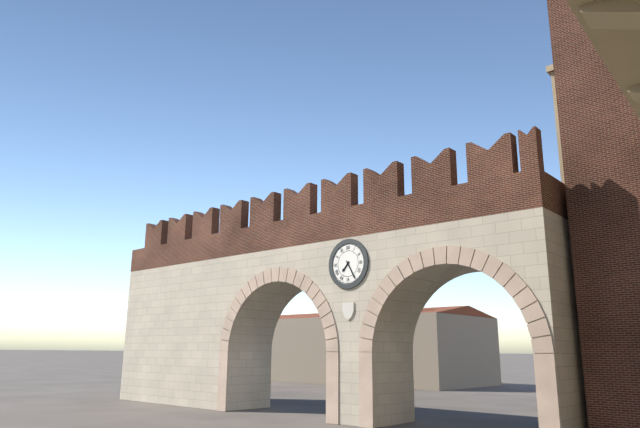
7:25
